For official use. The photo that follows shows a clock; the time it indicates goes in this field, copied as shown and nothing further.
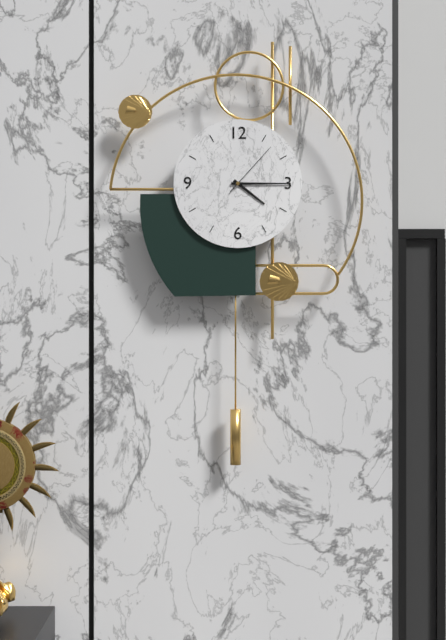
4:15:07
